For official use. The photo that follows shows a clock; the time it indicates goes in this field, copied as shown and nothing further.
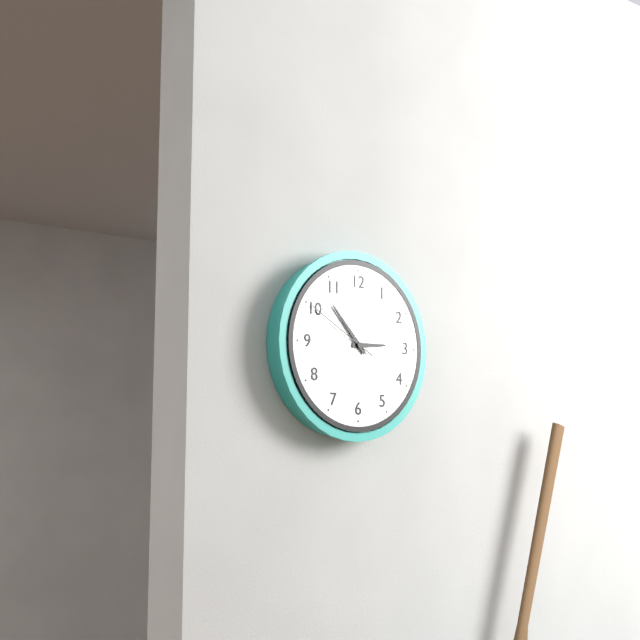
2:53:50
